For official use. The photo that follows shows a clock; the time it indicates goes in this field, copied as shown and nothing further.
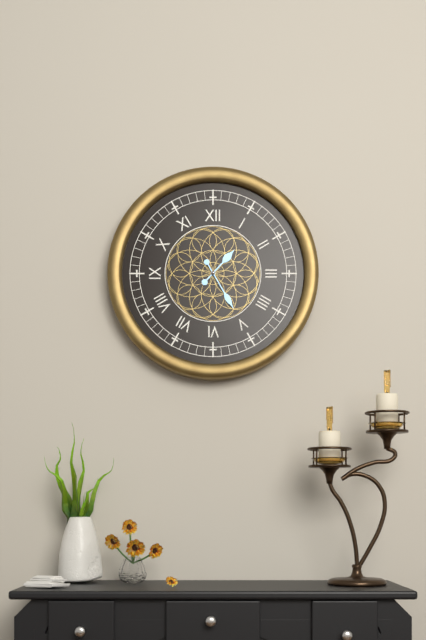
1:25
